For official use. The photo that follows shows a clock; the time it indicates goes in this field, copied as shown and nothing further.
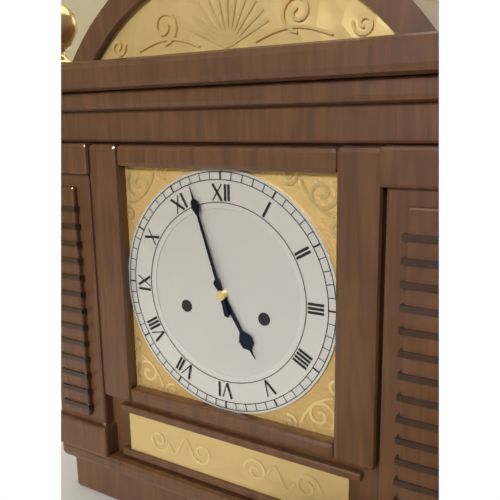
4:57
